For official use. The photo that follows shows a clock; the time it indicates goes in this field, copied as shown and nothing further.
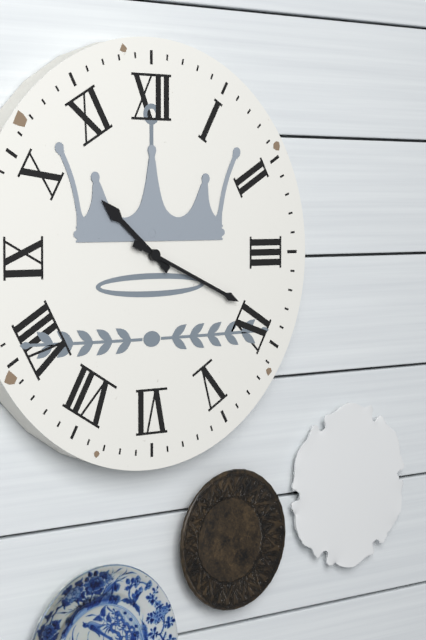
10:19
